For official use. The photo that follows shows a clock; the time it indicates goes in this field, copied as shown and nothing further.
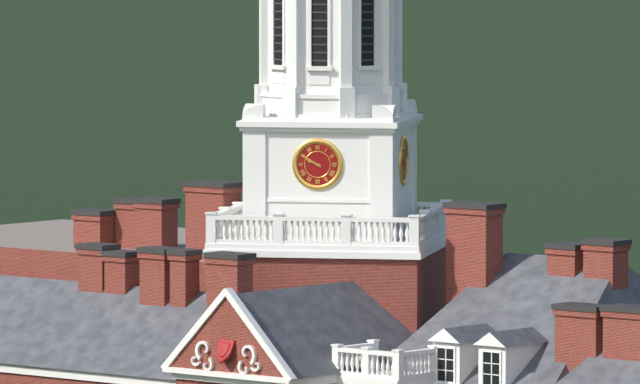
9:50
